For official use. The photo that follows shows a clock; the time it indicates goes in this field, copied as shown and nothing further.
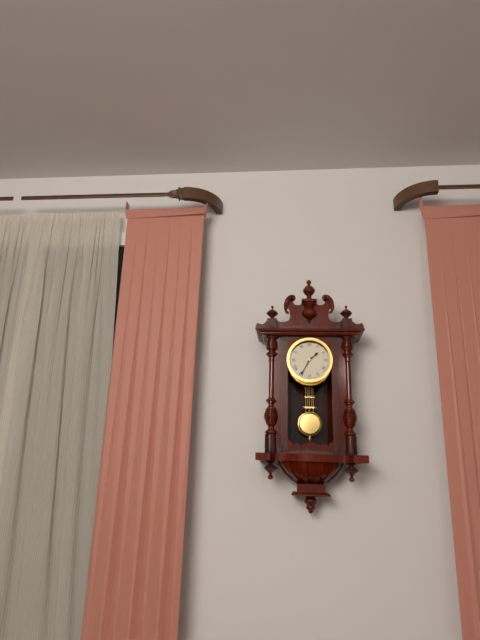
1:35
